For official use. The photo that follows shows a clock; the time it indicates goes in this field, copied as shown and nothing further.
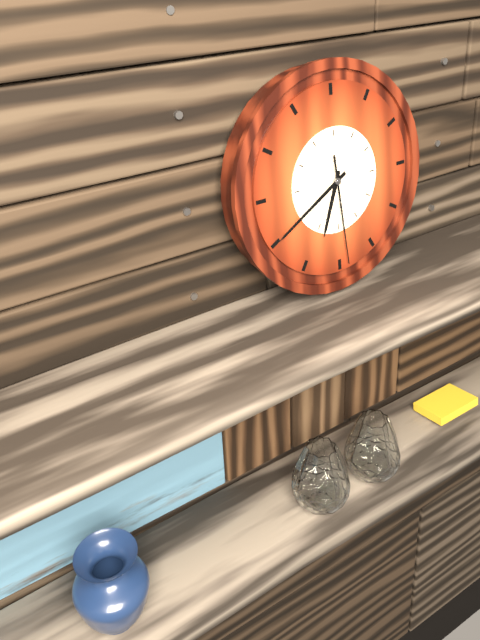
6:40:29
